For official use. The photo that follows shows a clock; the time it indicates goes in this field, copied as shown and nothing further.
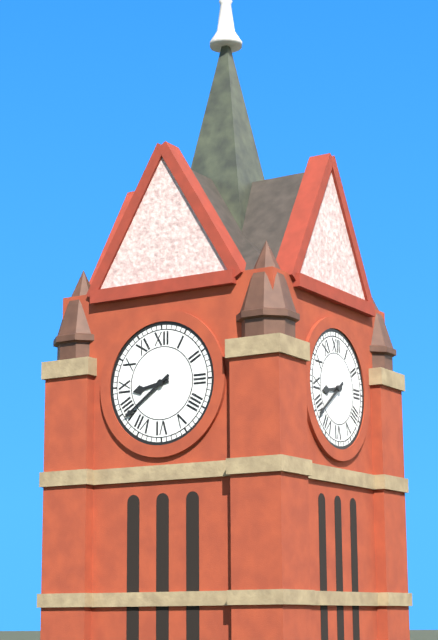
8:39
